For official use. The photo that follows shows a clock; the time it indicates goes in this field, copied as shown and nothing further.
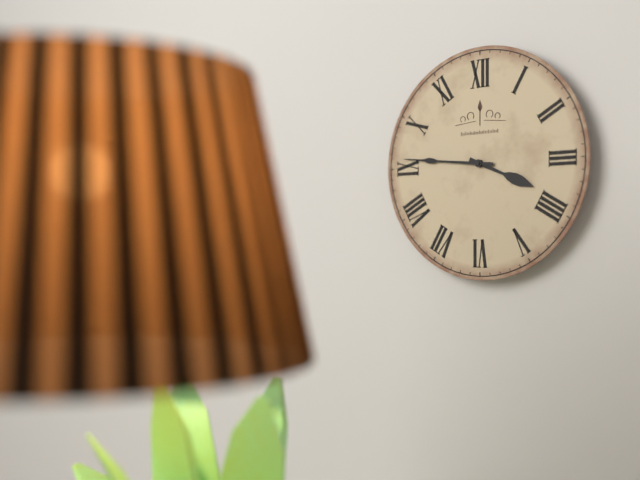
3:46
